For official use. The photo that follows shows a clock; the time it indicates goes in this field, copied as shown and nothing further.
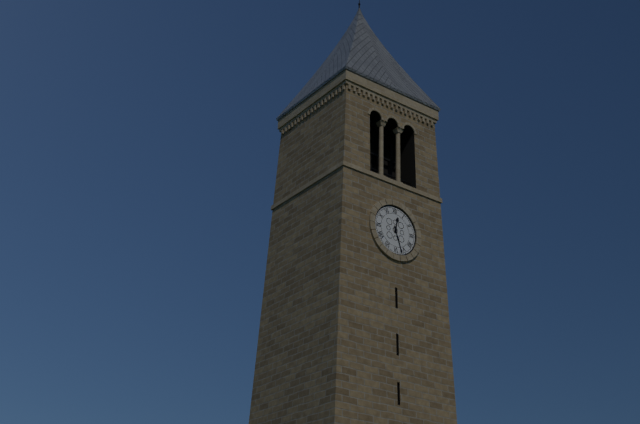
12:27
